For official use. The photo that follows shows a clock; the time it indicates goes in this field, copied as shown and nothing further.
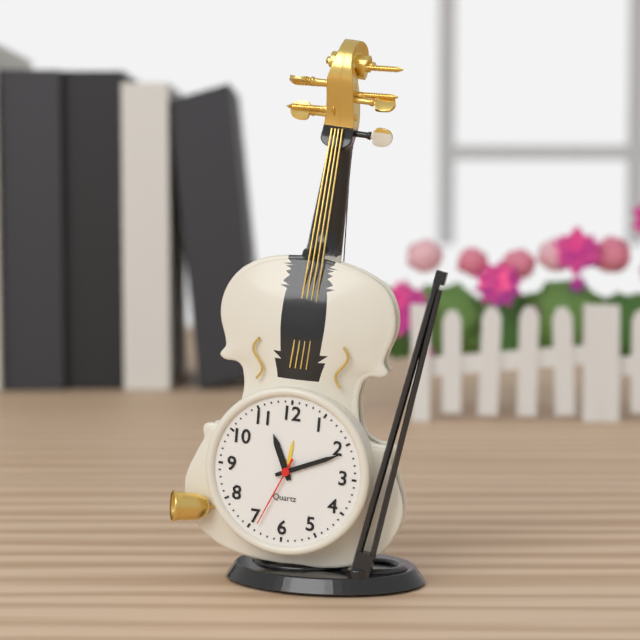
11:11:34
